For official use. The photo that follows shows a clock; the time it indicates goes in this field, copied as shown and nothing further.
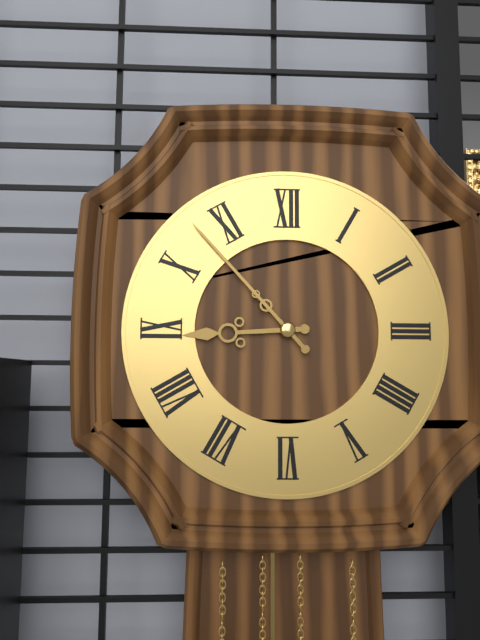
8:53
